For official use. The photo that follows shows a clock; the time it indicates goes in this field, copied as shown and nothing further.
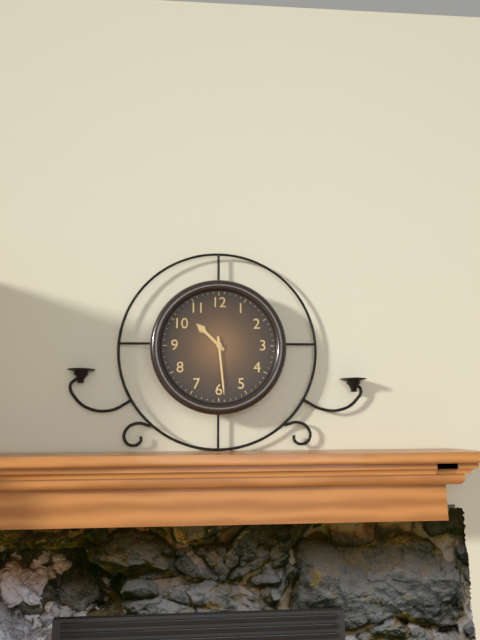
10:29
